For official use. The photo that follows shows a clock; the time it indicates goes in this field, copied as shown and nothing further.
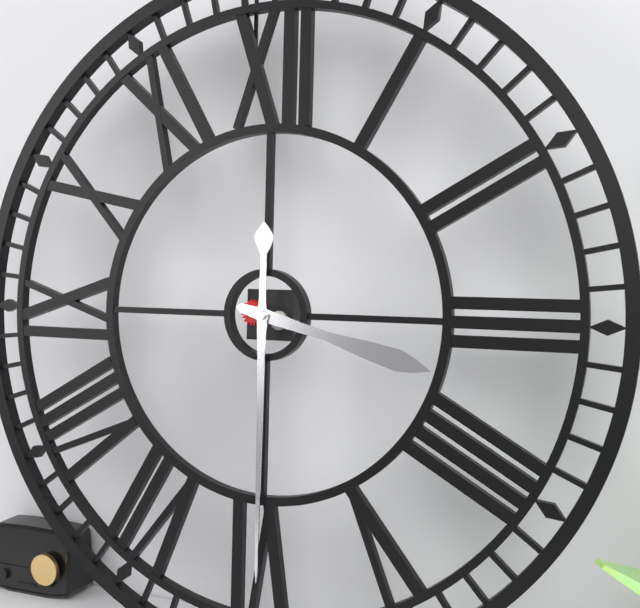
3:30
